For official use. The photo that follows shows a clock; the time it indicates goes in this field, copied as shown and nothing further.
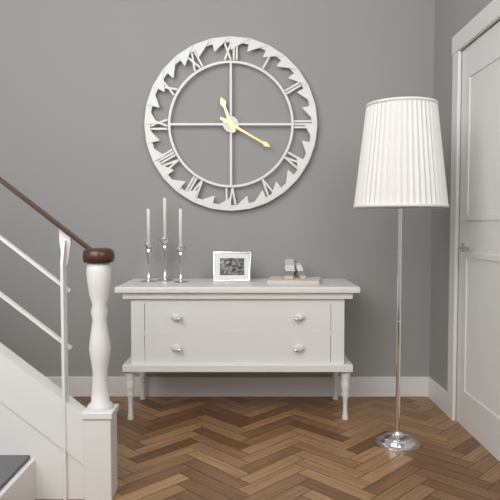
11:20
